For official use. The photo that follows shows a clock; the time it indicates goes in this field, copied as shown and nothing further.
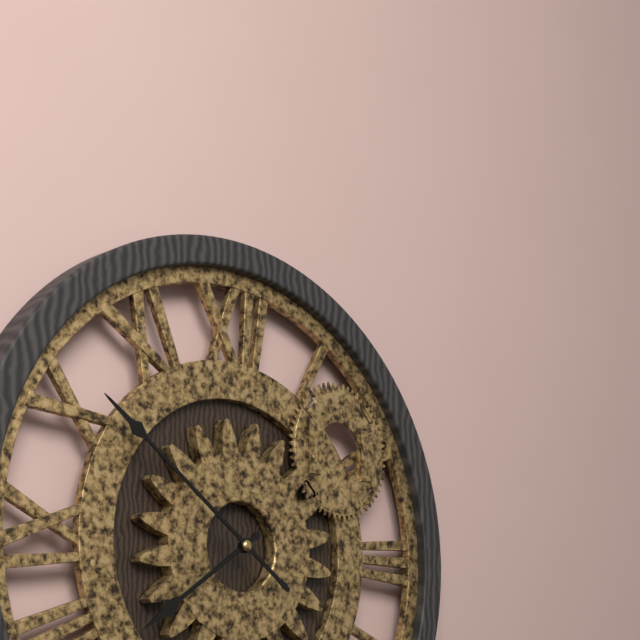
7:51
